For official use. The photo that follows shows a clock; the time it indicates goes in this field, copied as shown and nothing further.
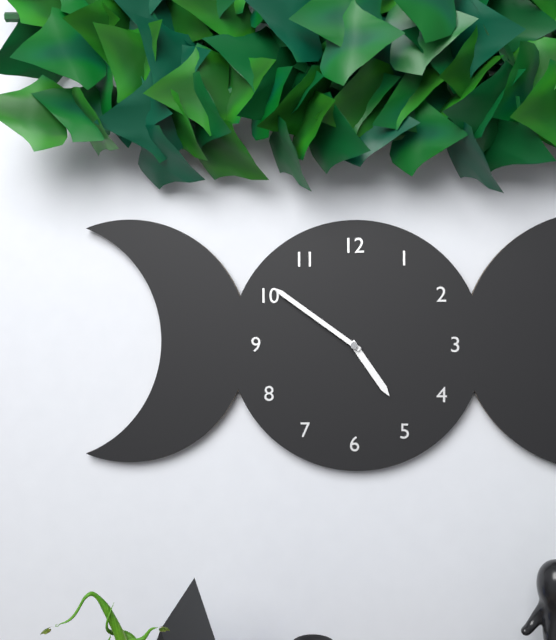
4:51
